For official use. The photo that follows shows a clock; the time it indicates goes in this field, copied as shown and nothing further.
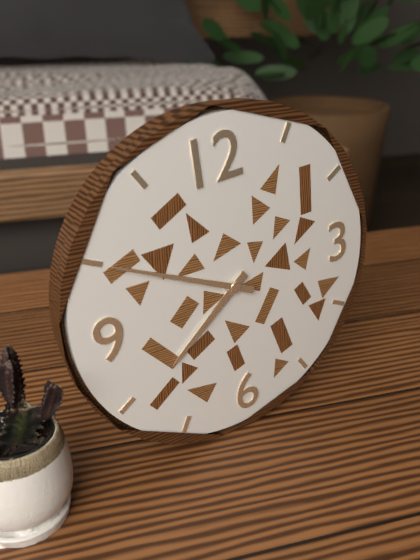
7:50
